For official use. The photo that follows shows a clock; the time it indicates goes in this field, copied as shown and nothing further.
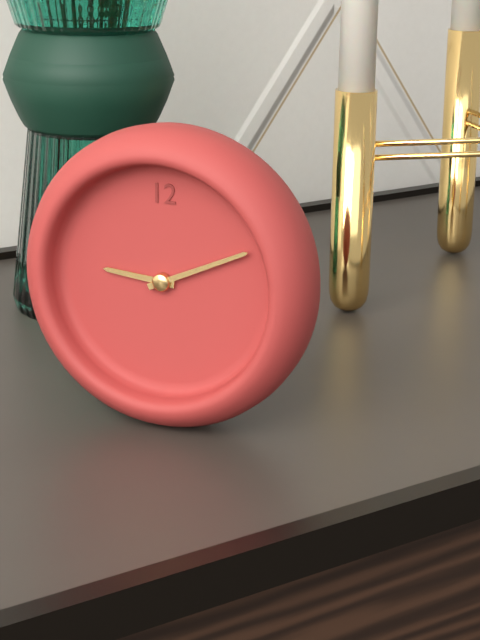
9:11
